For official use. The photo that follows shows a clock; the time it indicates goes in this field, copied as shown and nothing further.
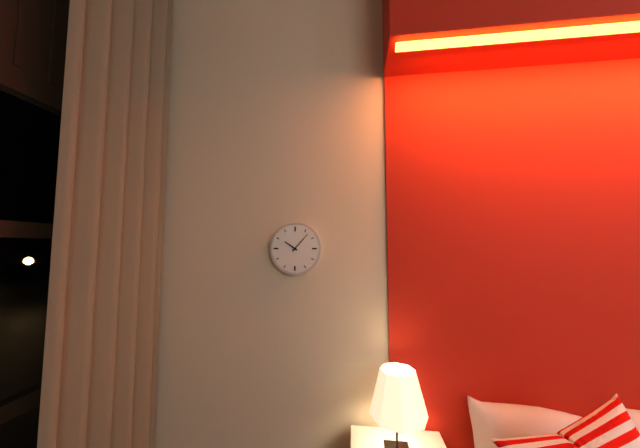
10:07
